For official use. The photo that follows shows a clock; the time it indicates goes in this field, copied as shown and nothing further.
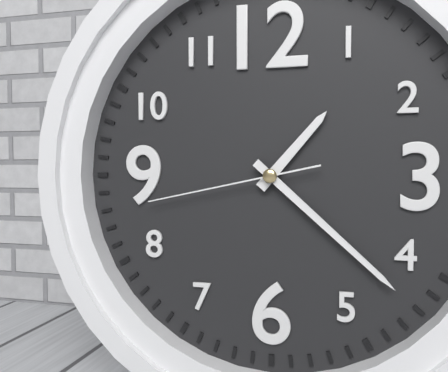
1:22:43
